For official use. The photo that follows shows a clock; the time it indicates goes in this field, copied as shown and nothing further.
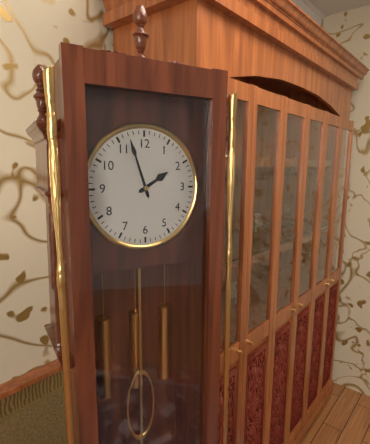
1:57
